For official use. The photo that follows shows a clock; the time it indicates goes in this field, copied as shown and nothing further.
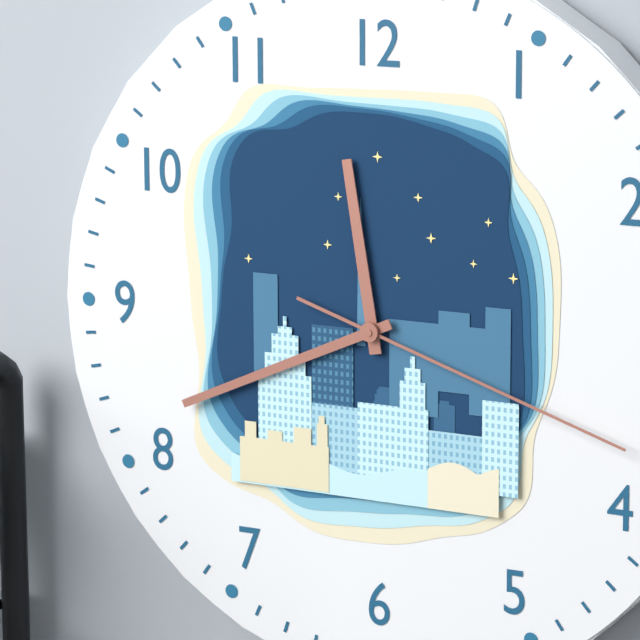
11:41:18
